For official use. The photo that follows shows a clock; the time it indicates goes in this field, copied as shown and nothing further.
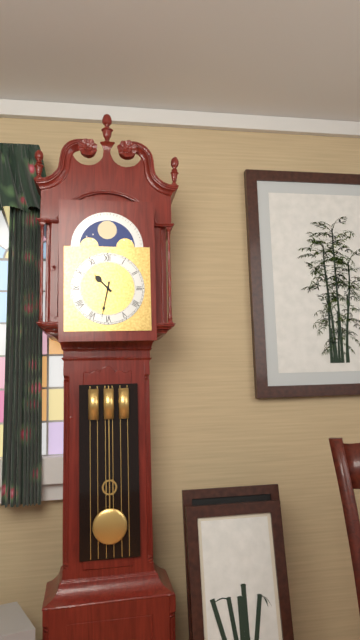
10:32
